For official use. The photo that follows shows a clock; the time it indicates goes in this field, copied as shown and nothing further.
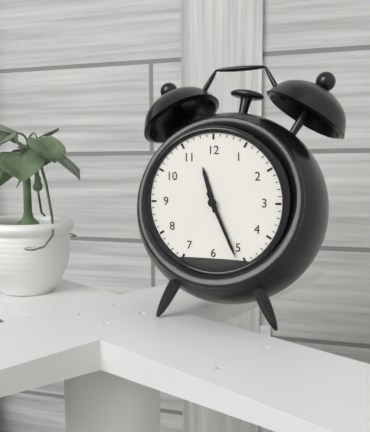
11:26
